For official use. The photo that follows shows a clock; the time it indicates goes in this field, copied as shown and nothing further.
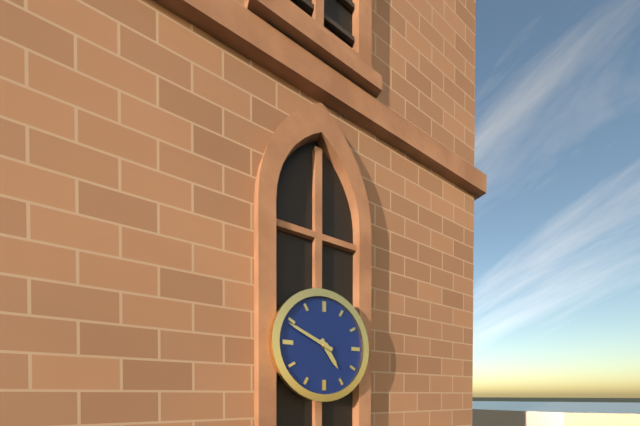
4:49
